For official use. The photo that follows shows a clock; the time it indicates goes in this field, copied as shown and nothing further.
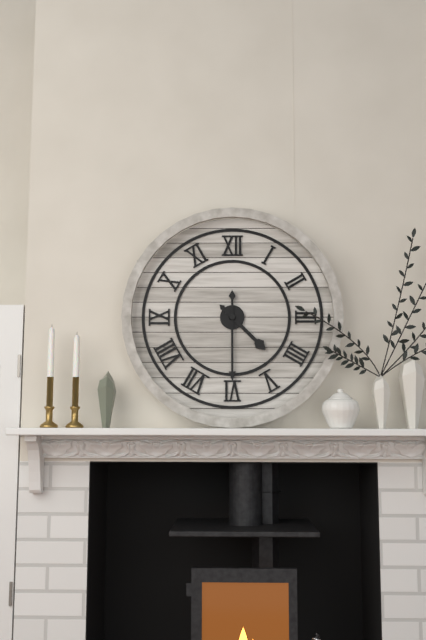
4:30
